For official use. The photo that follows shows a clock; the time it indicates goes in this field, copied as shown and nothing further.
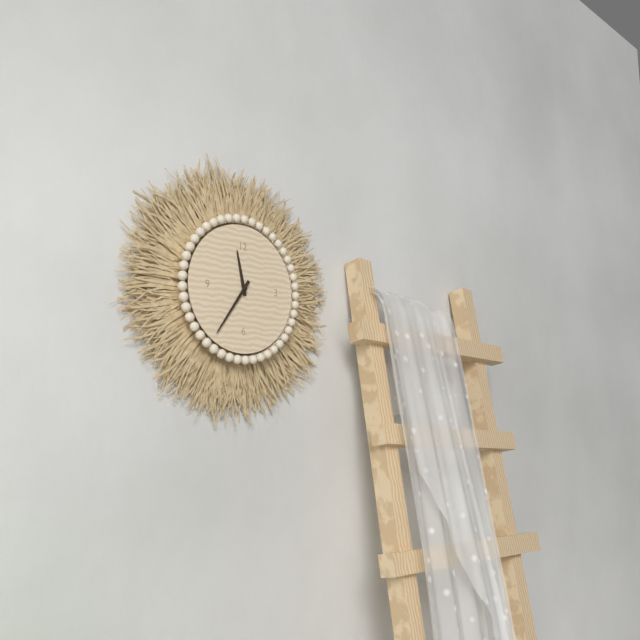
11:36
